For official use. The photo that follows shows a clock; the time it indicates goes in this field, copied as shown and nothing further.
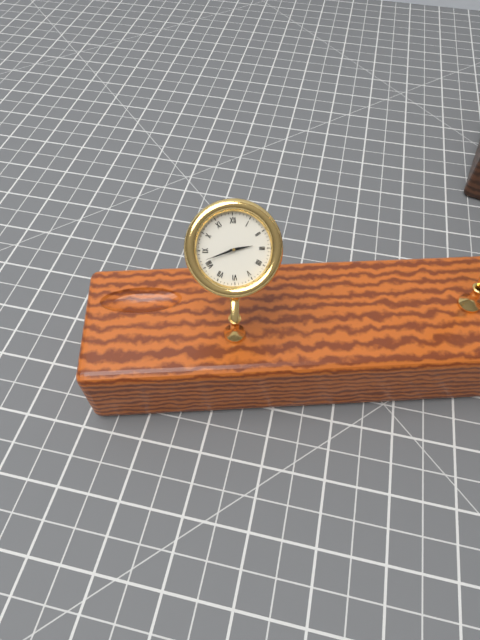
2:42
